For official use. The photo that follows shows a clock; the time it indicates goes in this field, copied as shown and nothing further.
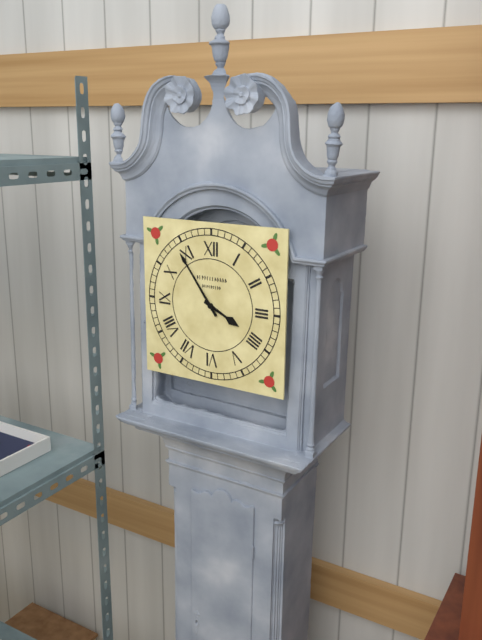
3:54
